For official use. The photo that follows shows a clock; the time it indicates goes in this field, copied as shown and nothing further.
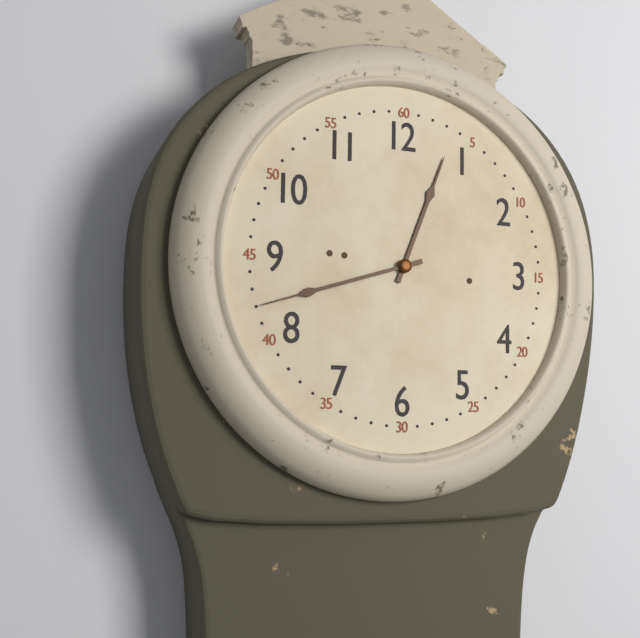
12:42
